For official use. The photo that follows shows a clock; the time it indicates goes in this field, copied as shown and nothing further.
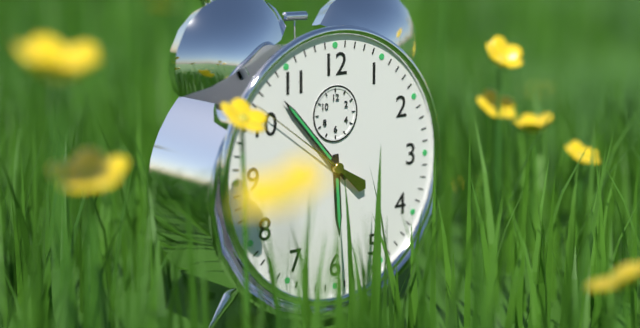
5:53:51
